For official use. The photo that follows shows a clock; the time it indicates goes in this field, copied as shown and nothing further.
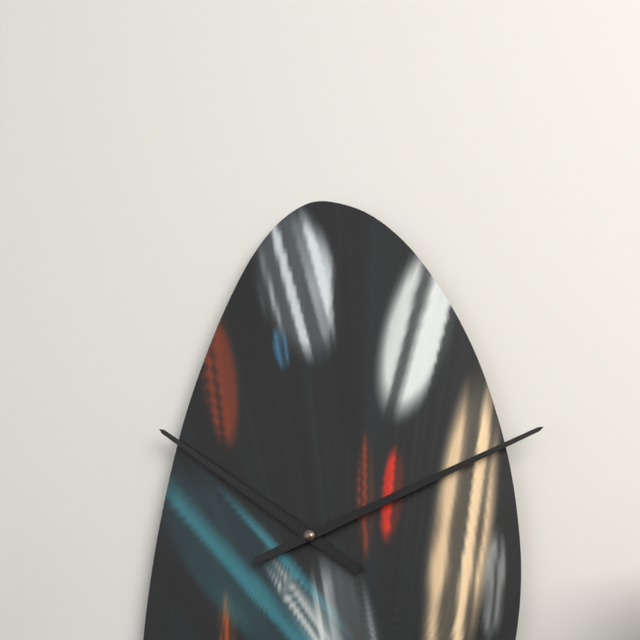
10:11
